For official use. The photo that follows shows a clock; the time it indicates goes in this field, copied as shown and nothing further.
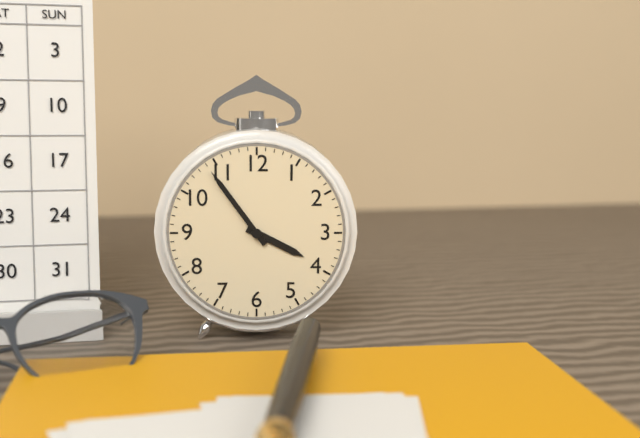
3:54
